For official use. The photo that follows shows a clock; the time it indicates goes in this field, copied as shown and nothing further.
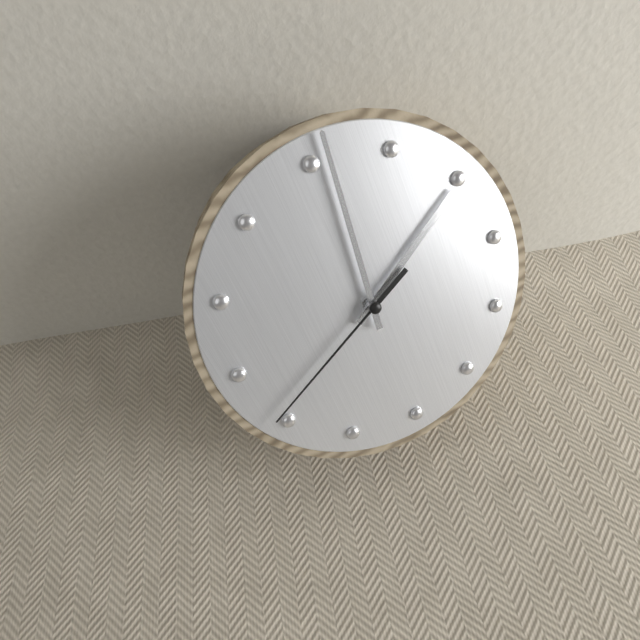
2:01:41
